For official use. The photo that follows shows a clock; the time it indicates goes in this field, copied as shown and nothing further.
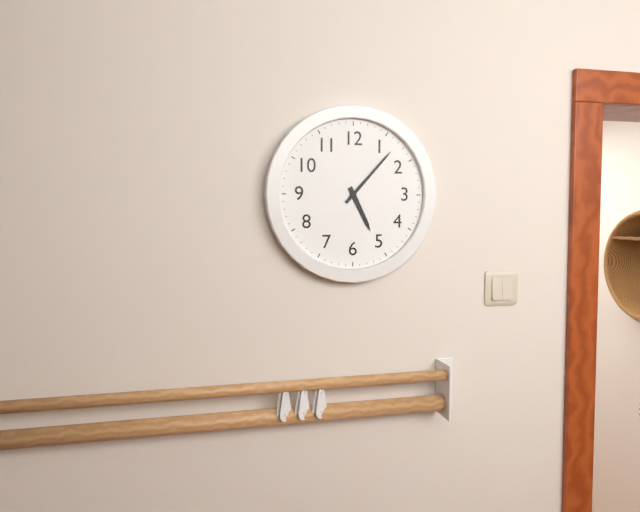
5:07
